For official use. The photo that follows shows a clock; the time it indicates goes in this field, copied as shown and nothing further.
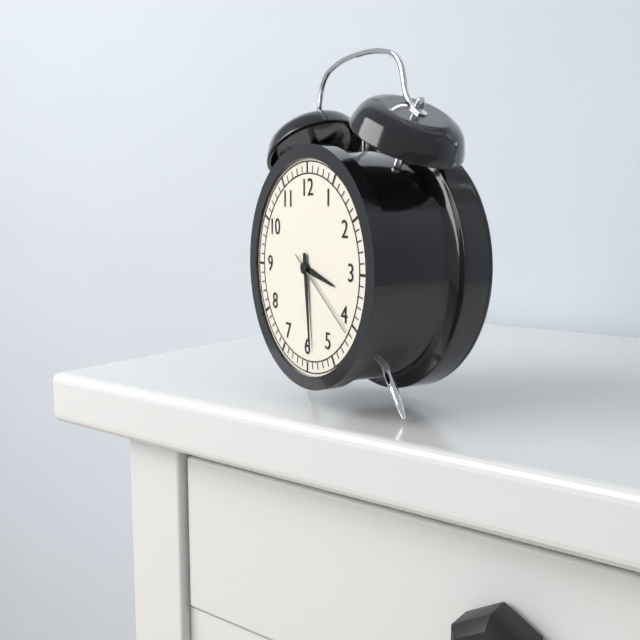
3:29:21
